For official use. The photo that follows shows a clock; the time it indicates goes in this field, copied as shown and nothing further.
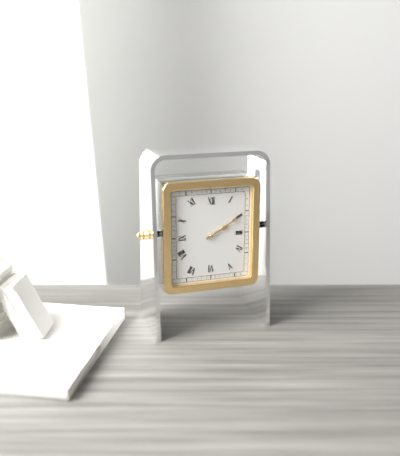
2:10
